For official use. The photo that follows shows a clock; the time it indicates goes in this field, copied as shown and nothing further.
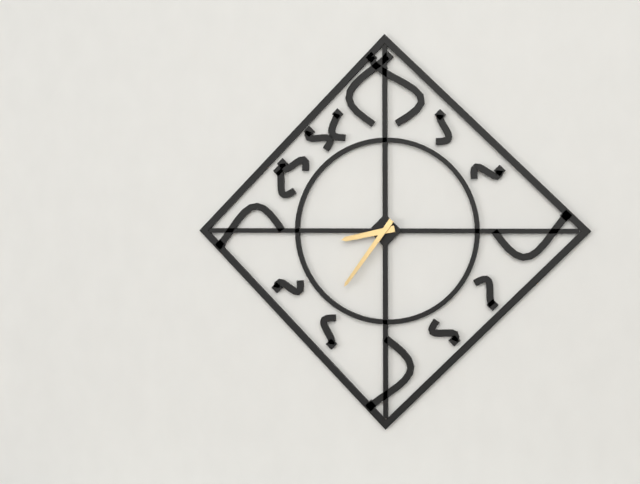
8:36
